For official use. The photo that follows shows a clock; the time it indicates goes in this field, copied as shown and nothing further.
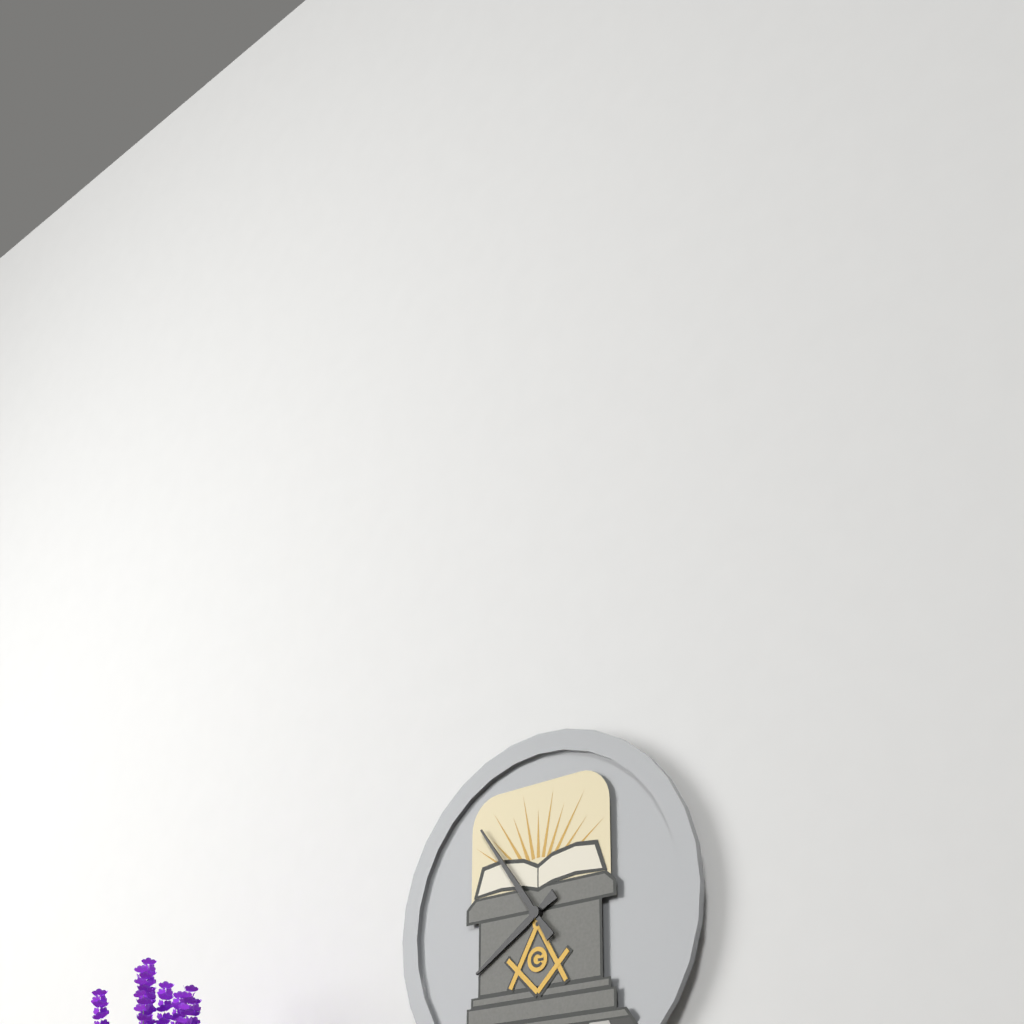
7:54
